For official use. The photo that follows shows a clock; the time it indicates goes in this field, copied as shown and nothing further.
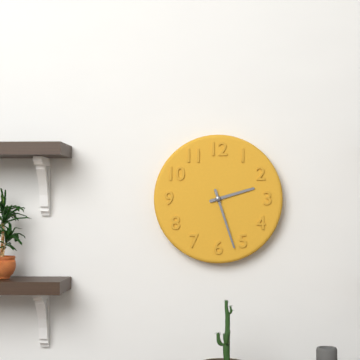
2:27
